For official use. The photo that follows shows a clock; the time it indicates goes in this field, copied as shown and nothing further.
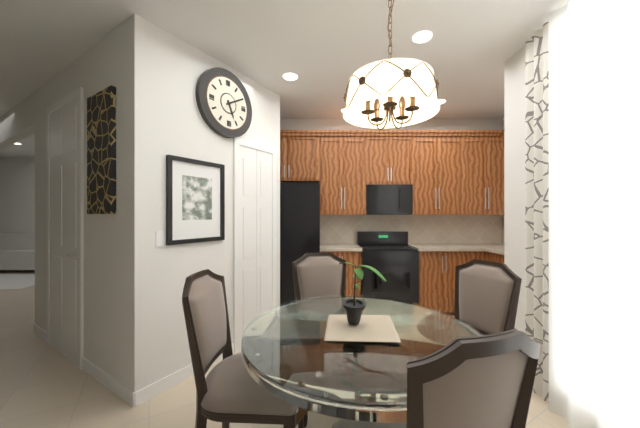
5:10
